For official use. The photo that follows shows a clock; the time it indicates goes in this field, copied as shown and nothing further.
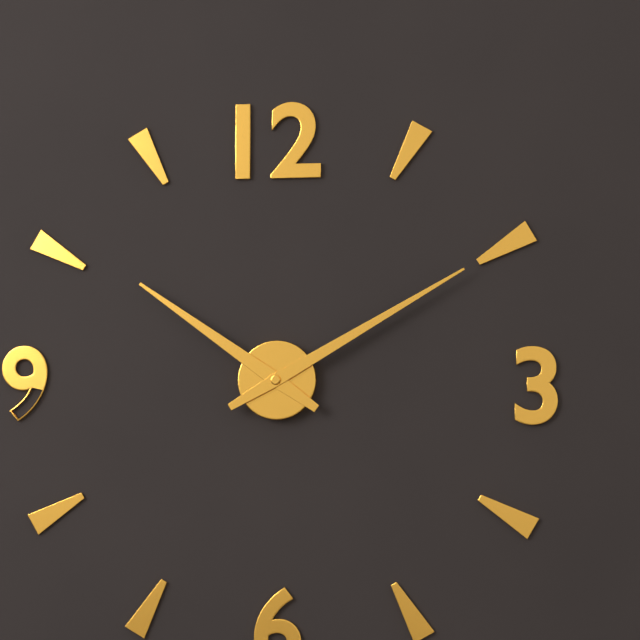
10:10
